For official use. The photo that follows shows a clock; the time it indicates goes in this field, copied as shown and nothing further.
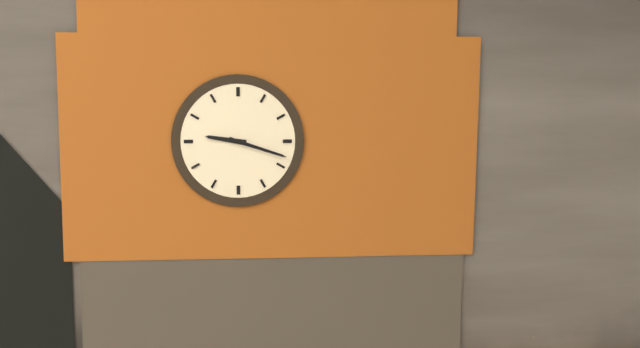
9:18
